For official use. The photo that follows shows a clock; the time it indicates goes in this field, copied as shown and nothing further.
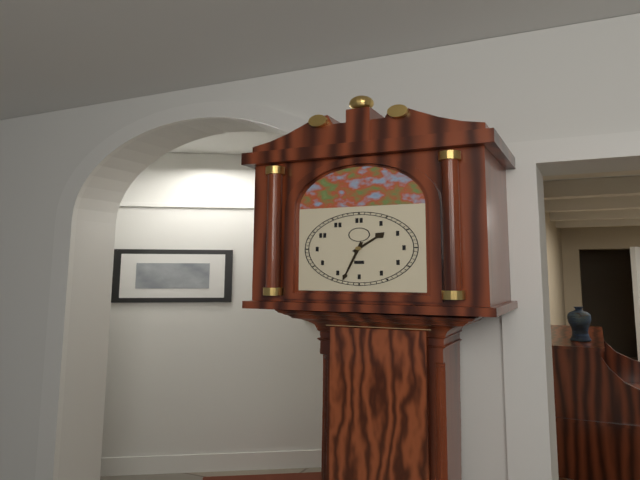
1:33
